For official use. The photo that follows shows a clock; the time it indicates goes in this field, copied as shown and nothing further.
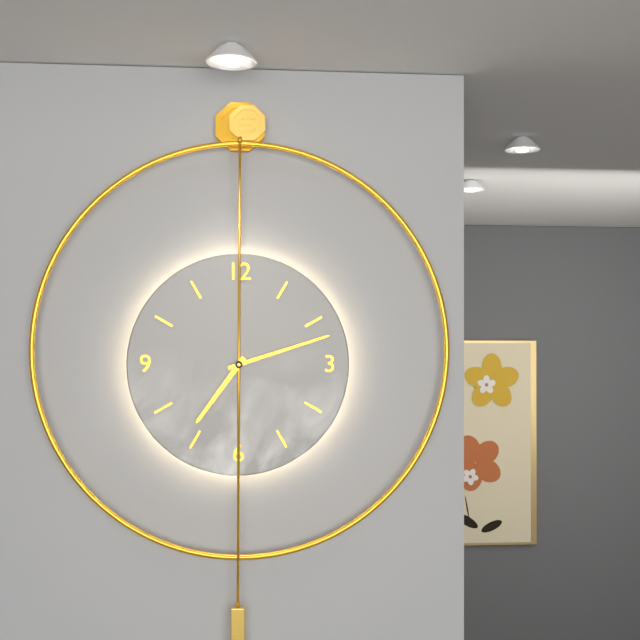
7:12
